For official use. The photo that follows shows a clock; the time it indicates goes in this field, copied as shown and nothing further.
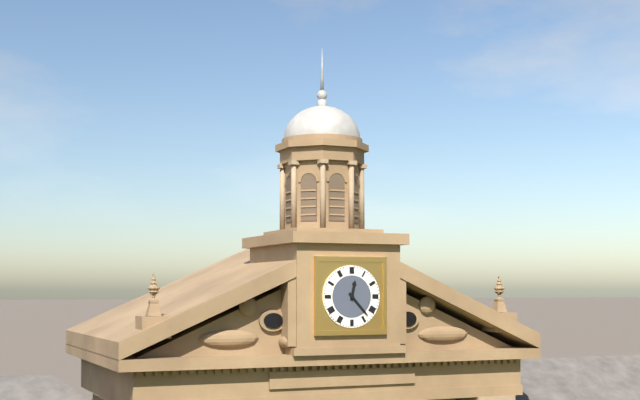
12:23
